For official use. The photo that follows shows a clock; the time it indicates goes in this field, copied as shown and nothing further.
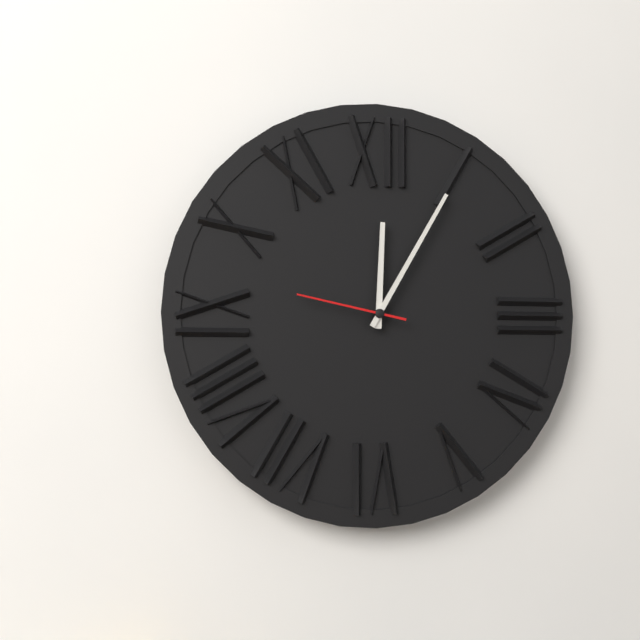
12:05:47
